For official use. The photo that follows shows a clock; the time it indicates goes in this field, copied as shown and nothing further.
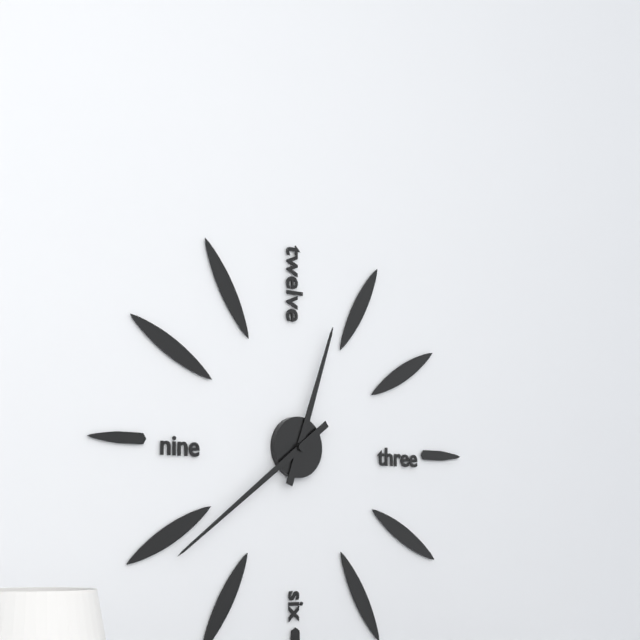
12:39
